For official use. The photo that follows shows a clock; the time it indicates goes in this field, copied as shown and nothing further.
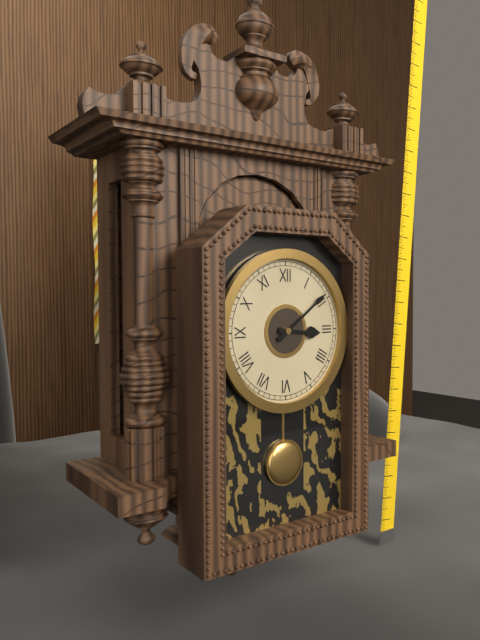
3:09
